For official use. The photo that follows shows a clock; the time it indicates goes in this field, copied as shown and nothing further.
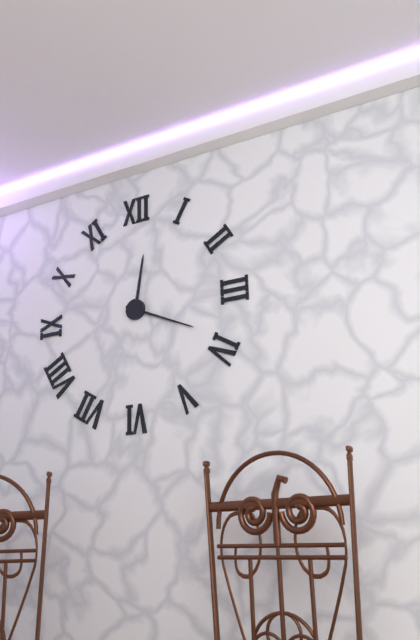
12:19
